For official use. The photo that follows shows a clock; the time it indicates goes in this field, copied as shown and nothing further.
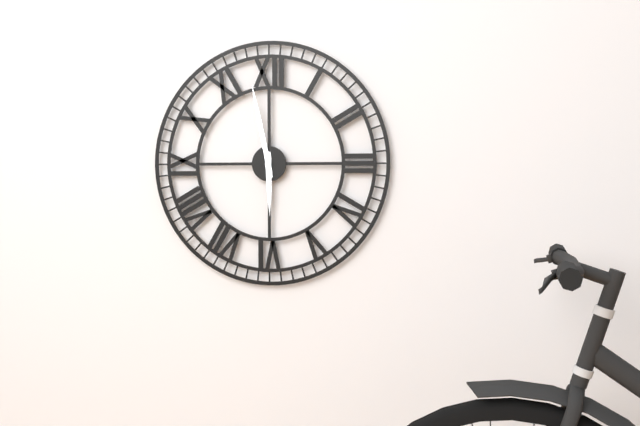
5:58
